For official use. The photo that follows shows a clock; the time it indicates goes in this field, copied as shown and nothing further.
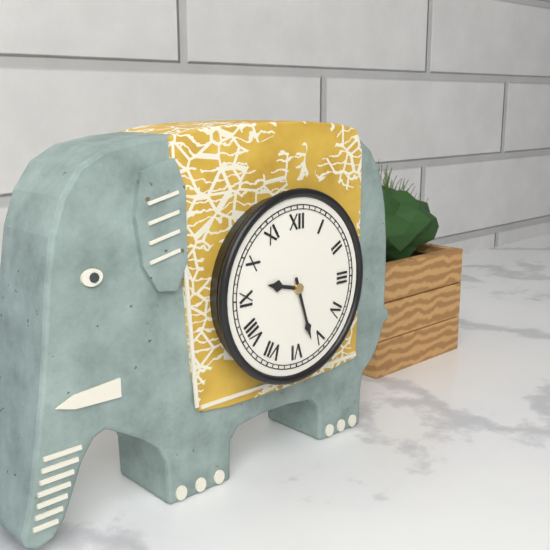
9:27
